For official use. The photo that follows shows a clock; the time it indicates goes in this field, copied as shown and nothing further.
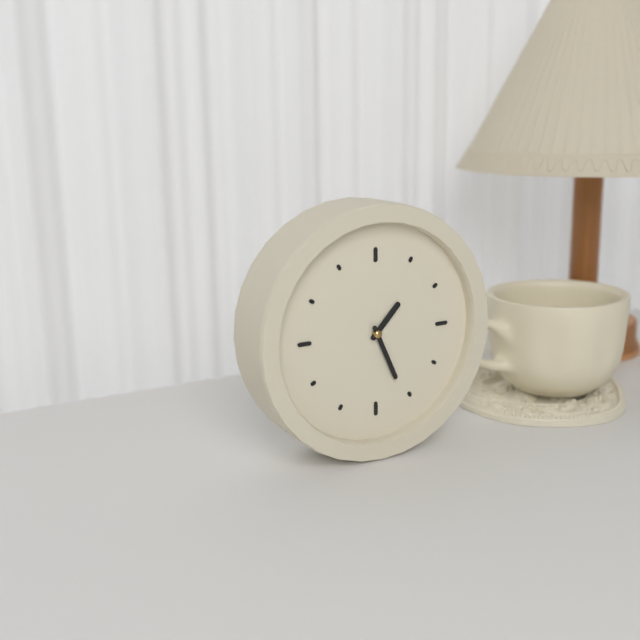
1:26
